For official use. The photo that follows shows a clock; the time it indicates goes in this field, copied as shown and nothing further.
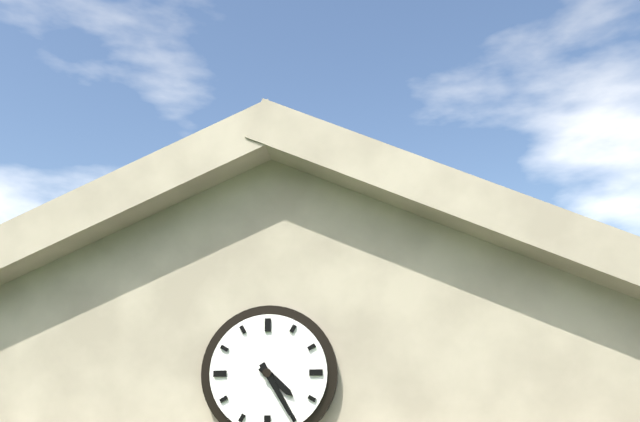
4:25
